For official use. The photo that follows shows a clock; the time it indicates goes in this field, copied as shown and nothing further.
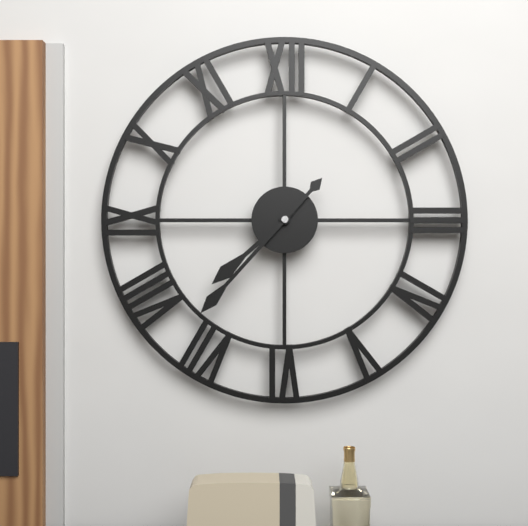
7:37
